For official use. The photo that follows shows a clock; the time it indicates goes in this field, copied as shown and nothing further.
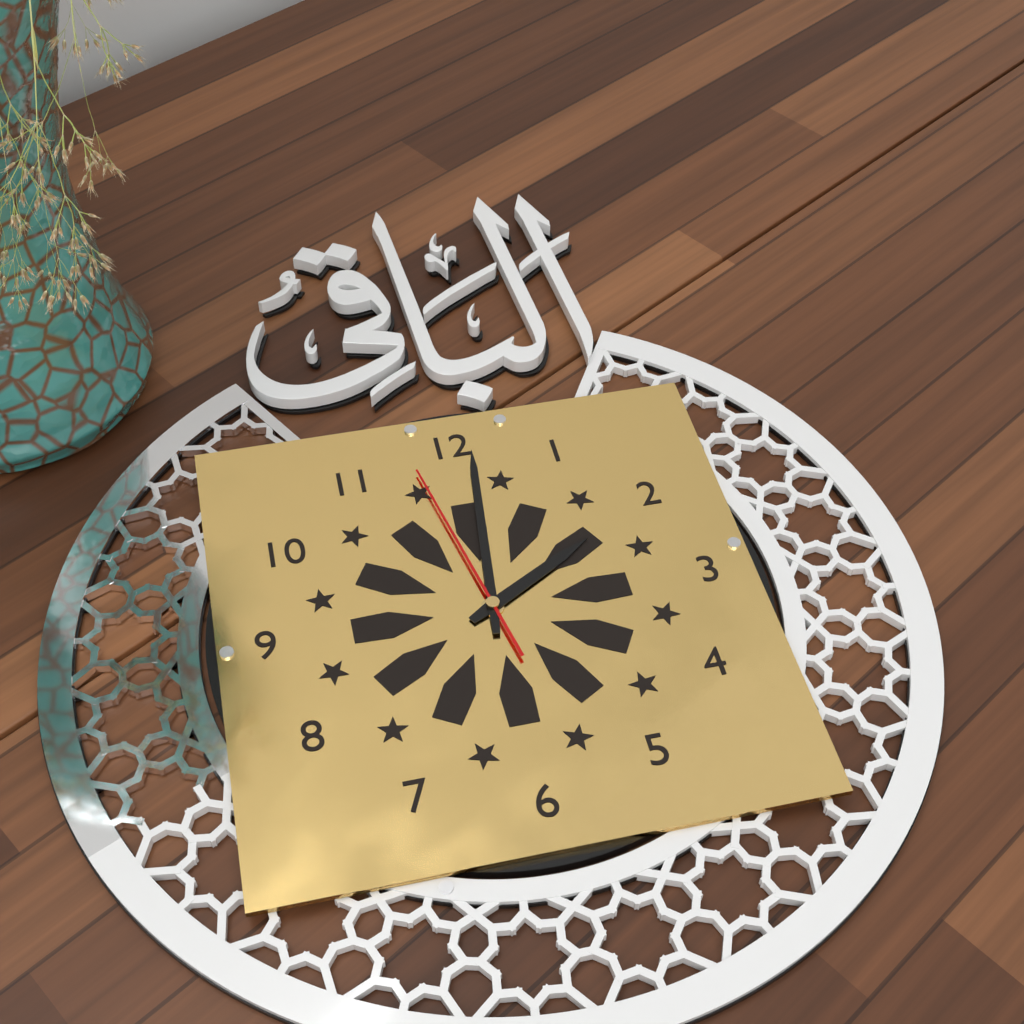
2:01:58
